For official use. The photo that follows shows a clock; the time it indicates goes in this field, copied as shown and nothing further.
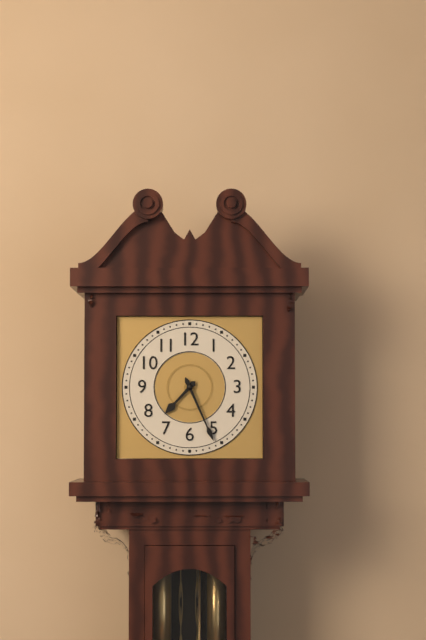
7:26
